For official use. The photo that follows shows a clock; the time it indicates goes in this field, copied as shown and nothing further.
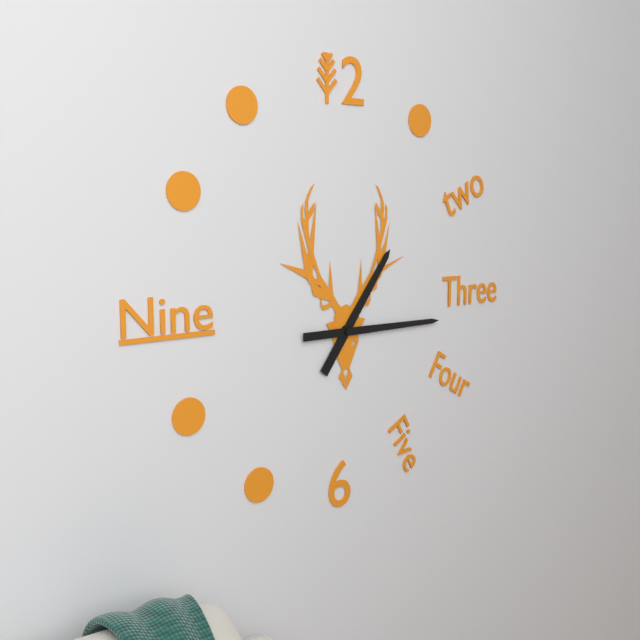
1:15
